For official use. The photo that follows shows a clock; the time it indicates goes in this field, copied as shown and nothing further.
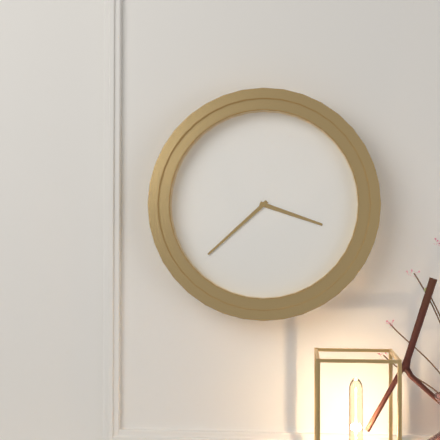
3:38
